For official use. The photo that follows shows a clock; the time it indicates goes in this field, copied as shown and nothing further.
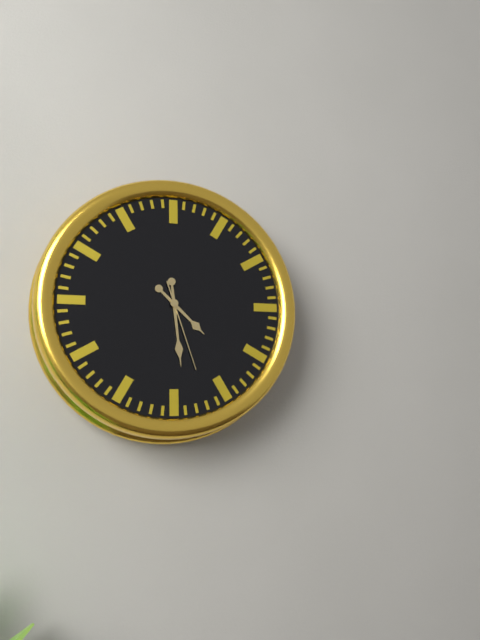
4:29:27
